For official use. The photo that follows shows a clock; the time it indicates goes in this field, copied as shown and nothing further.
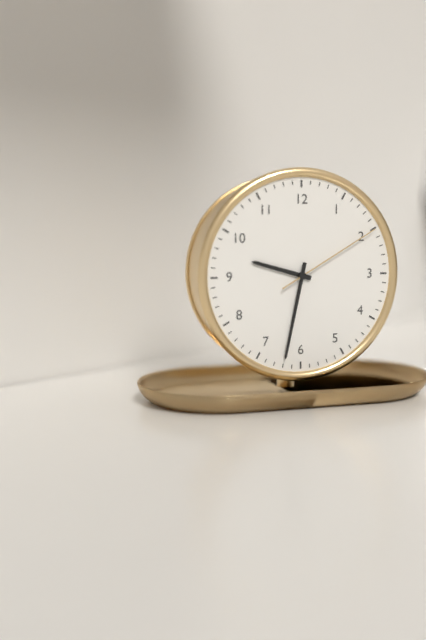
9:32:10
